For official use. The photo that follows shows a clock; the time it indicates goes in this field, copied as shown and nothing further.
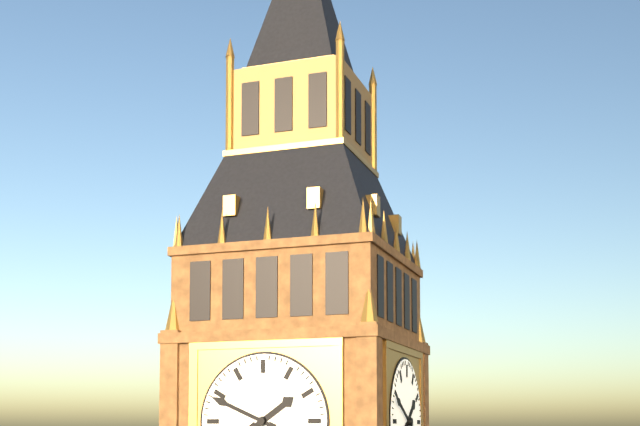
1:49
